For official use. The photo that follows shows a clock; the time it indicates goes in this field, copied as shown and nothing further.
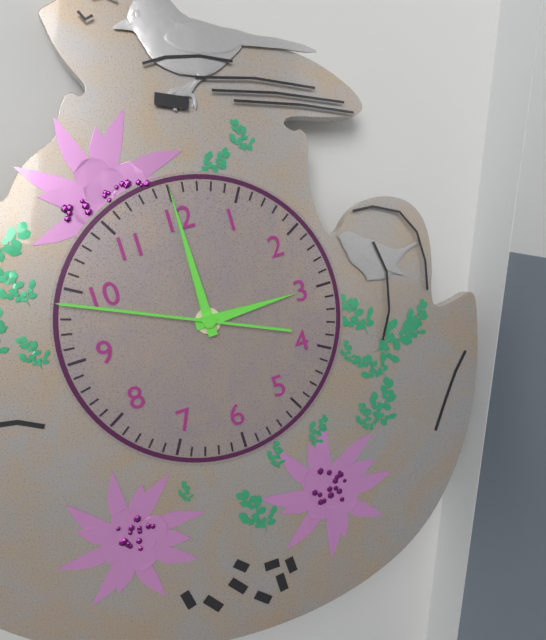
3:00:49
